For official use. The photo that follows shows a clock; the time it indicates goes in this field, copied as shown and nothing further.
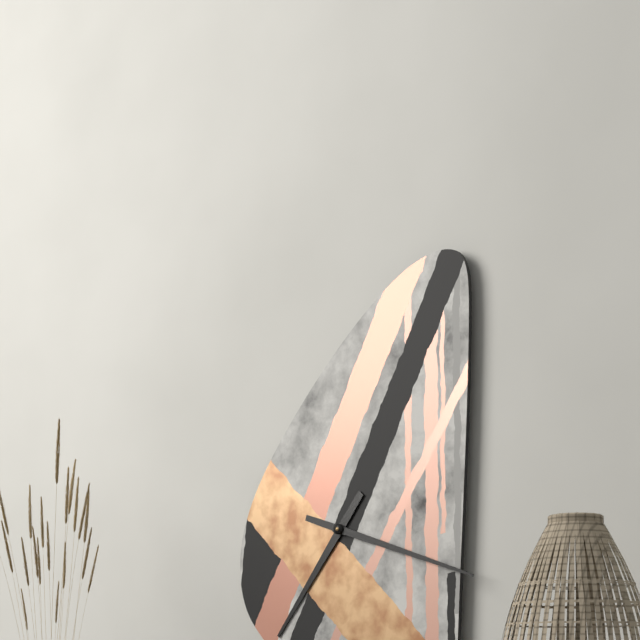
7:18
